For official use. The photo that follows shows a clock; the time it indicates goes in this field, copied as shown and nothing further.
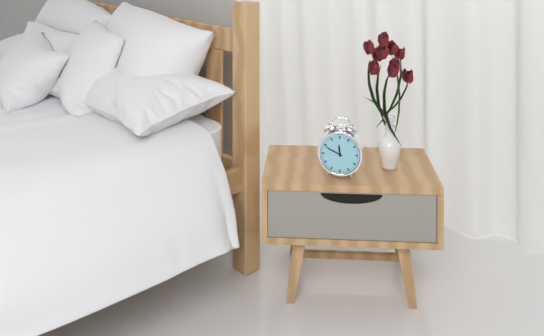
11:49
